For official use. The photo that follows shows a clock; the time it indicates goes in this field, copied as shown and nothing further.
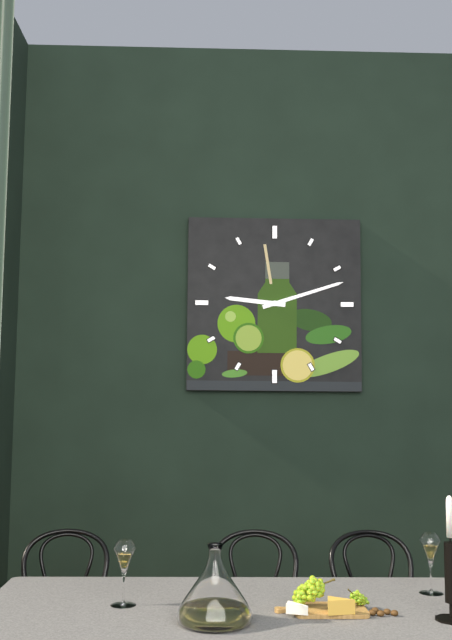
9:12
